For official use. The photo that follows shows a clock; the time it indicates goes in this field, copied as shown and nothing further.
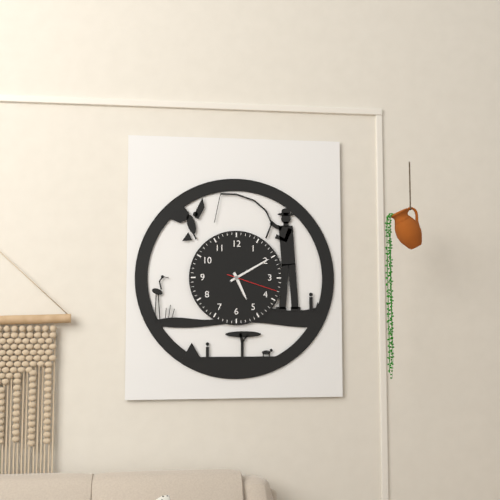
5:10:18
